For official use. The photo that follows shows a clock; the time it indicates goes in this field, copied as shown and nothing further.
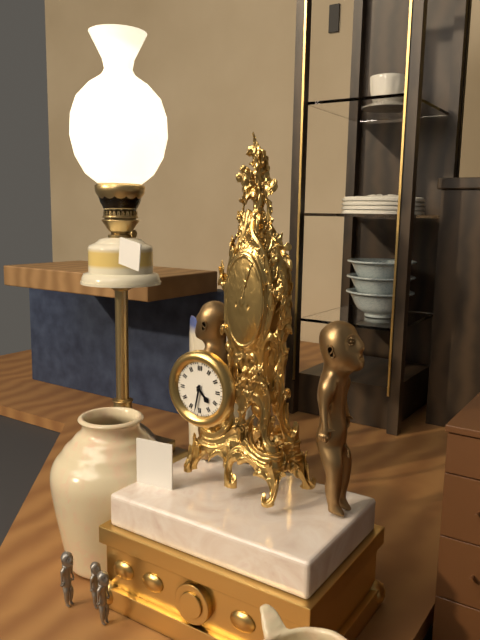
4:32
